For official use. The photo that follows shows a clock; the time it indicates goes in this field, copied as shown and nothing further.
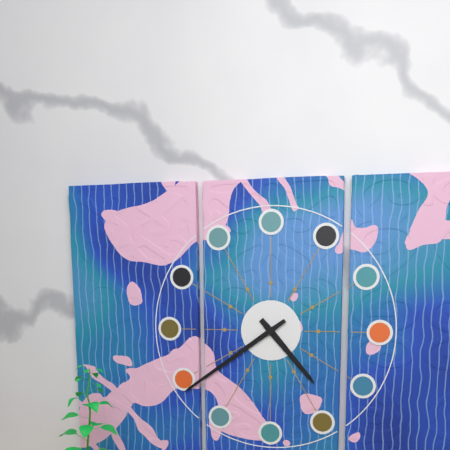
4:39
